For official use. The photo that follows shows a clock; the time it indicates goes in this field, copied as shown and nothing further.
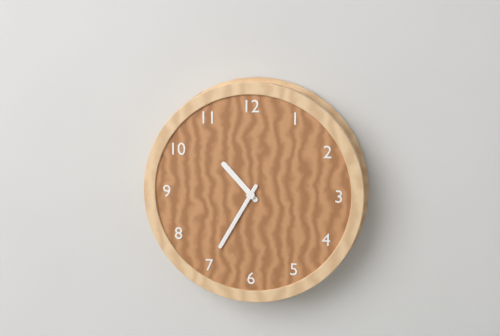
10:35
